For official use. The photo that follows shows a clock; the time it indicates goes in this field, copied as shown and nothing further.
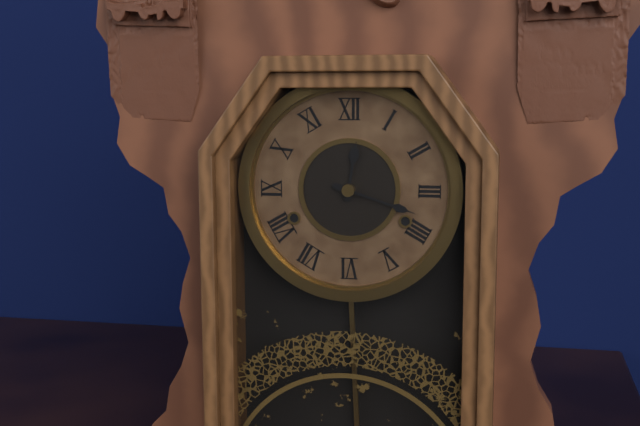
12:18
